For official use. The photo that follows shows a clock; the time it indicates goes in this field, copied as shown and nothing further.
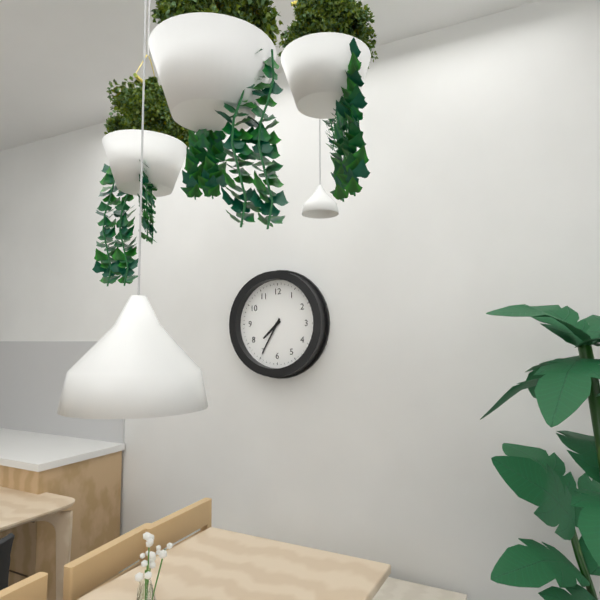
7:35
